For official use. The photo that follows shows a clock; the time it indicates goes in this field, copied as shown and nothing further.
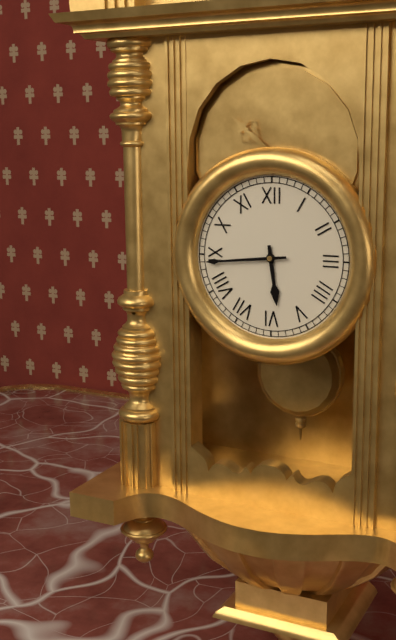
5:44
